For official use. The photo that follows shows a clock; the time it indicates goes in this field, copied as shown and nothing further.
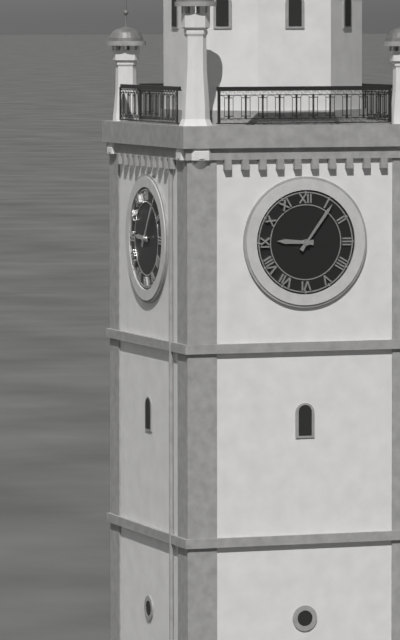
9:06
